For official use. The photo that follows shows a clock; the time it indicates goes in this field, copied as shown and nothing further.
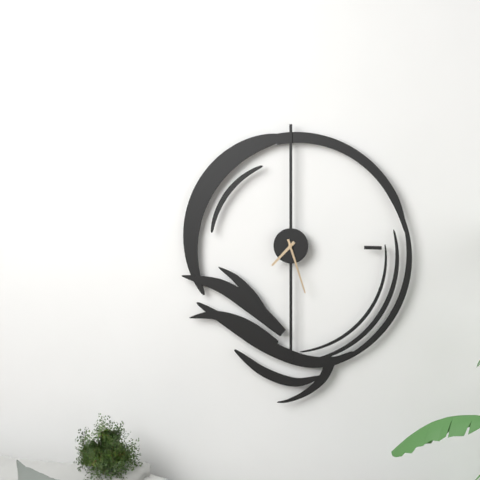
7:27
